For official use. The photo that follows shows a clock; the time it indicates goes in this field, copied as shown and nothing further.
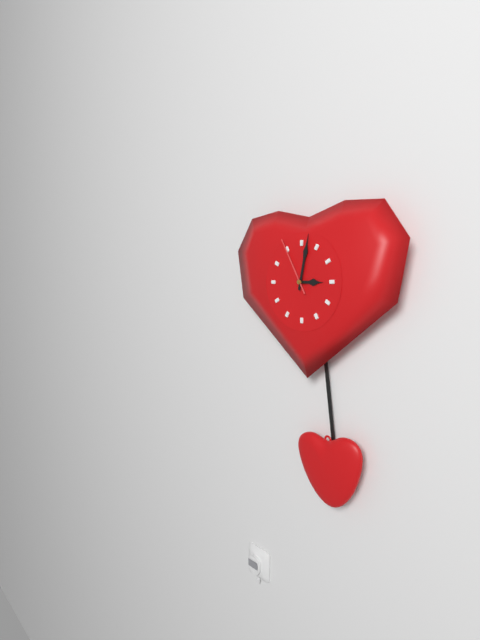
3:02:55
